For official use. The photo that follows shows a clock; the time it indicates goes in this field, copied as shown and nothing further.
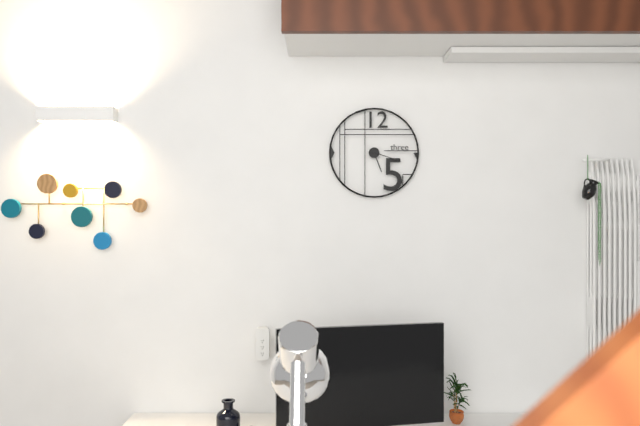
5:18
